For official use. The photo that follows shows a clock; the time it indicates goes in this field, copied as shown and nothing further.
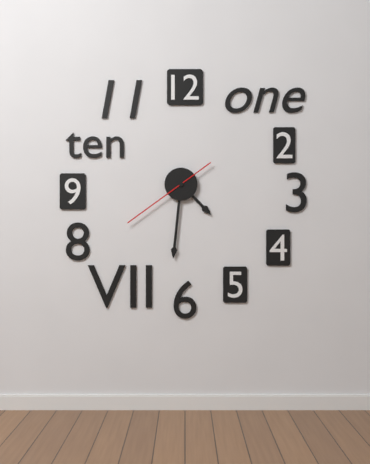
4:31:39
